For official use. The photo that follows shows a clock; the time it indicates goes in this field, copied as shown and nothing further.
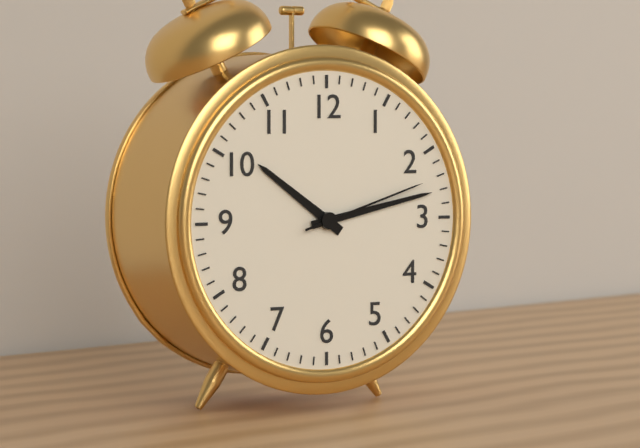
10:13:12
